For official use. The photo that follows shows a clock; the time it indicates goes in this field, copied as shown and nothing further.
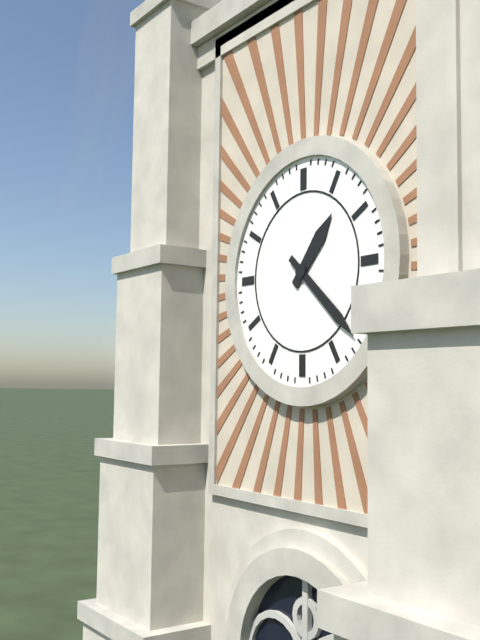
1:22
